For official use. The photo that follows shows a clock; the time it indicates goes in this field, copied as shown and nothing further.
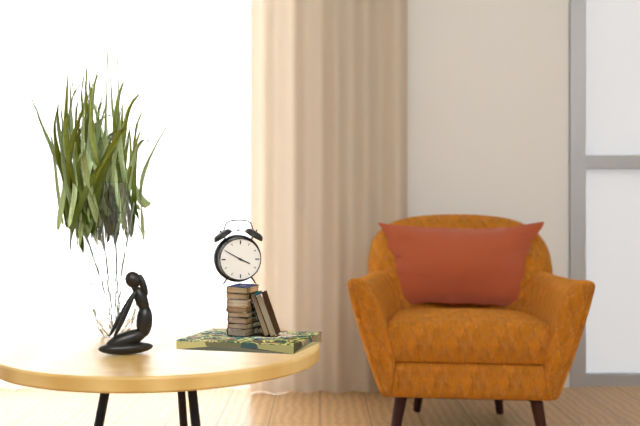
3:50
